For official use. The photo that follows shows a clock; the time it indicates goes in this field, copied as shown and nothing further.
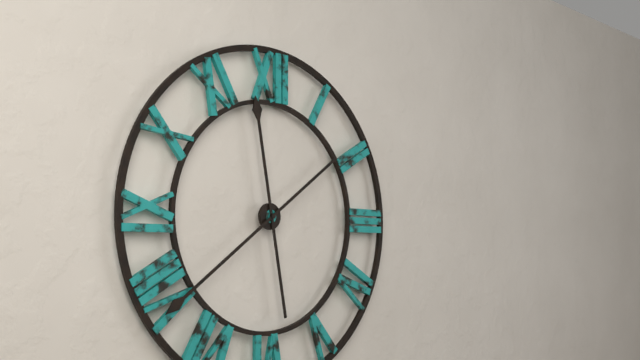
11:39
